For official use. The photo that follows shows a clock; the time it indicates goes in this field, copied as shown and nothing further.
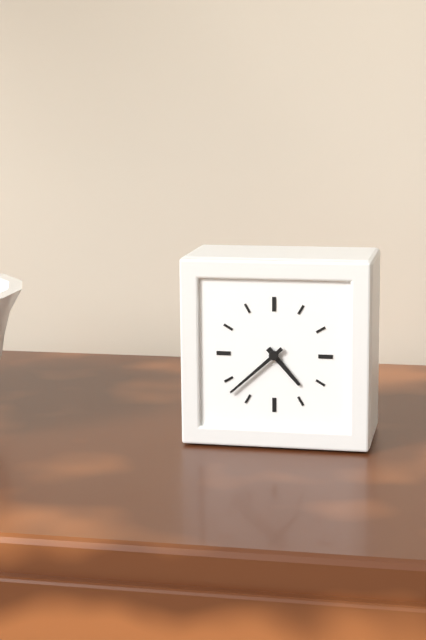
4:38
